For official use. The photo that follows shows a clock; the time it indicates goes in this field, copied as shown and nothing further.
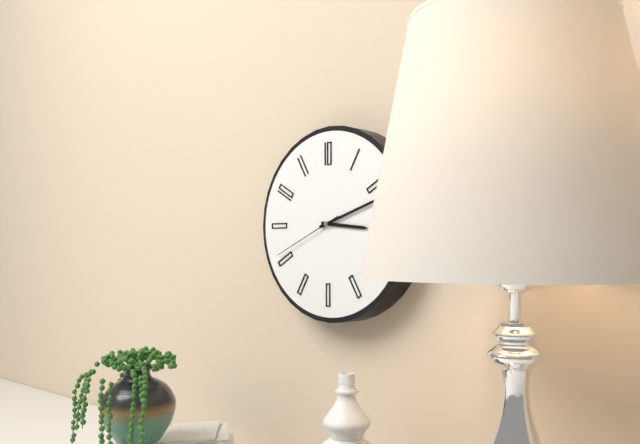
3:12:41
